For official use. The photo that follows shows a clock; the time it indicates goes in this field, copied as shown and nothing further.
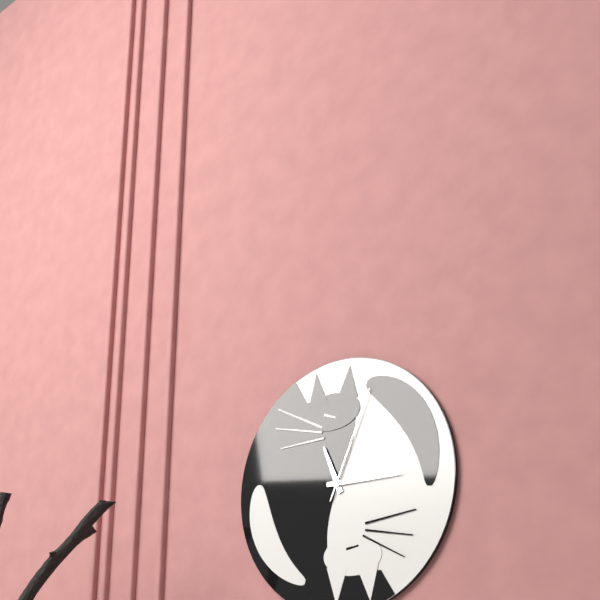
11:15:04
